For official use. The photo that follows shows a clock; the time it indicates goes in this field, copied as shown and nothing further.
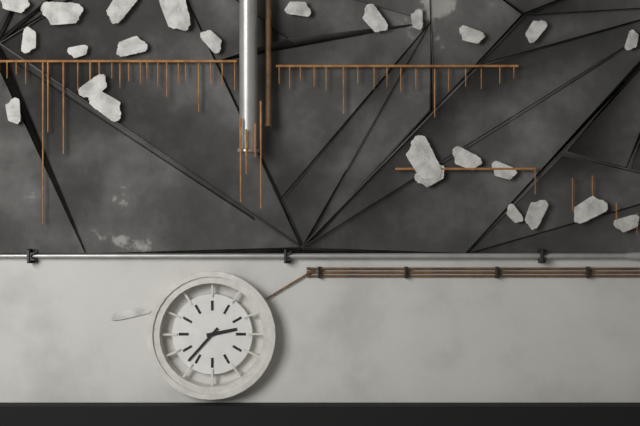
2:37
